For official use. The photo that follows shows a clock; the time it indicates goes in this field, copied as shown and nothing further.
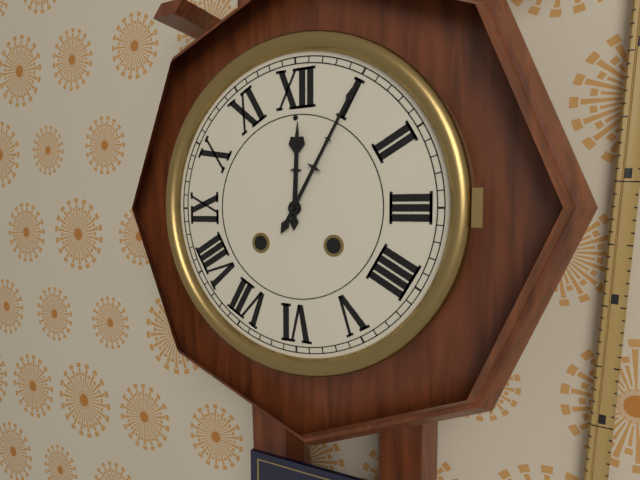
12:05
